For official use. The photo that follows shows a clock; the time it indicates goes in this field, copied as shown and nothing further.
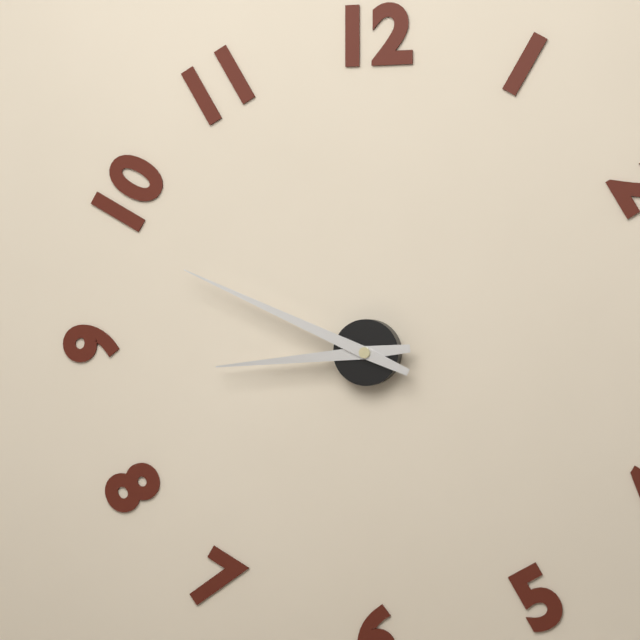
8:49
